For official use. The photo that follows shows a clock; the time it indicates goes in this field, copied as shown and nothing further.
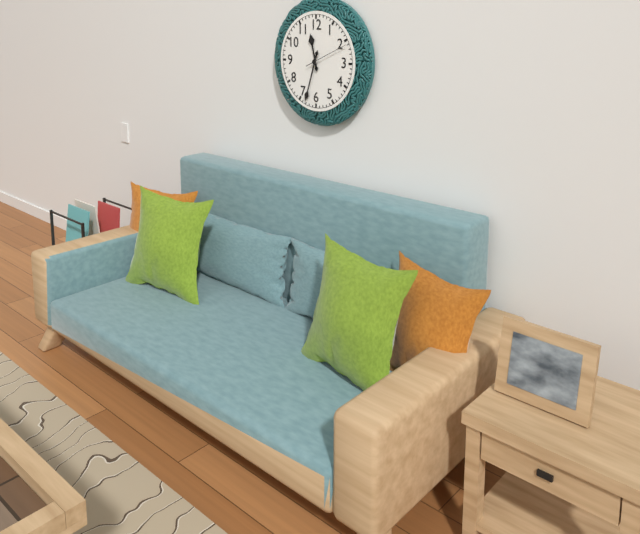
11:33
